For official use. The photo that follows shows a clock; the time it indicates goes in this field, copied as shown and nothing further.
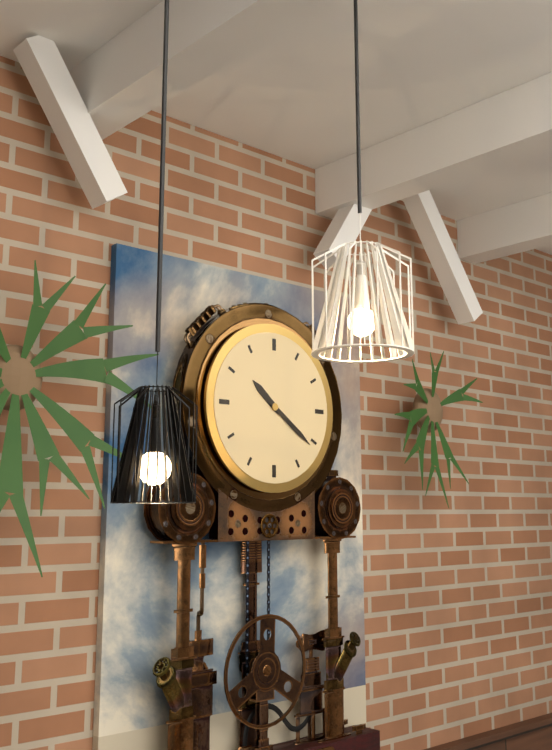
10:21
